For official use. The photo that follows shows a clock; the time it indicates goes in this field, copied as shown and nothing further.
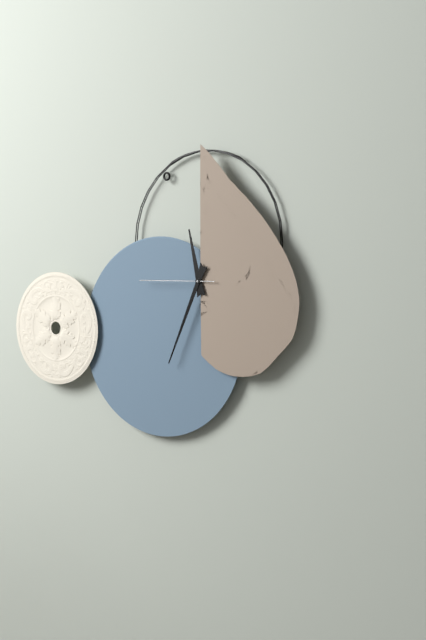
11:34:45
